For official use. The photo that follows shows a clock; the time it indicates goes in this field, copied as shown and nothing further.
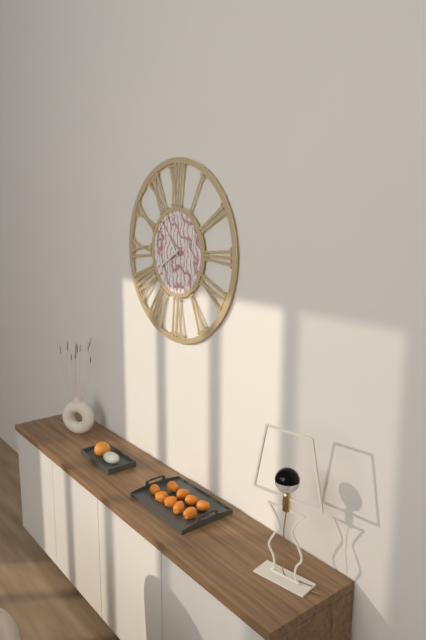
10:40
